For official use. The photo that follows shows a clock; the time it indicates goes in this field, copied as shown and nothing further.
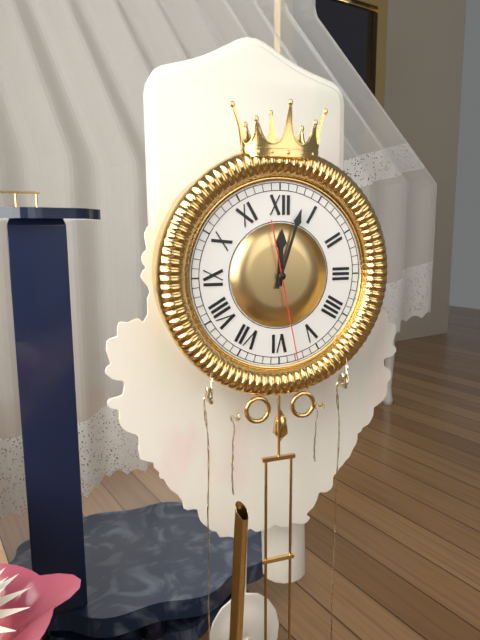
12:03:28
